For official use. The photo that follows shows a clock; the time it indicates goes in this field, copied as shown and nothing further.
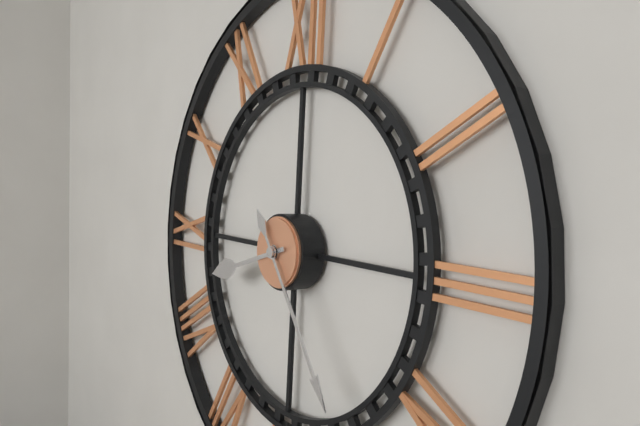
8:24
